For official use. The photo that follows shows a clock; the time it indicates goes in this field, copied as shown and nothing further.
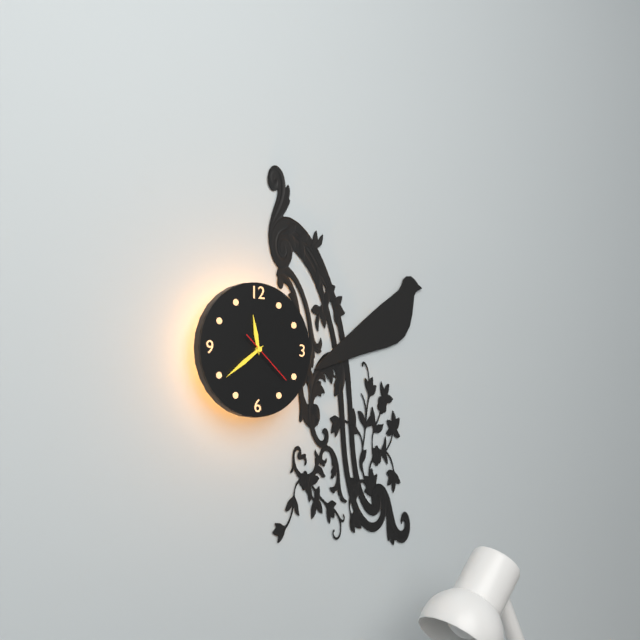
11:39:22
